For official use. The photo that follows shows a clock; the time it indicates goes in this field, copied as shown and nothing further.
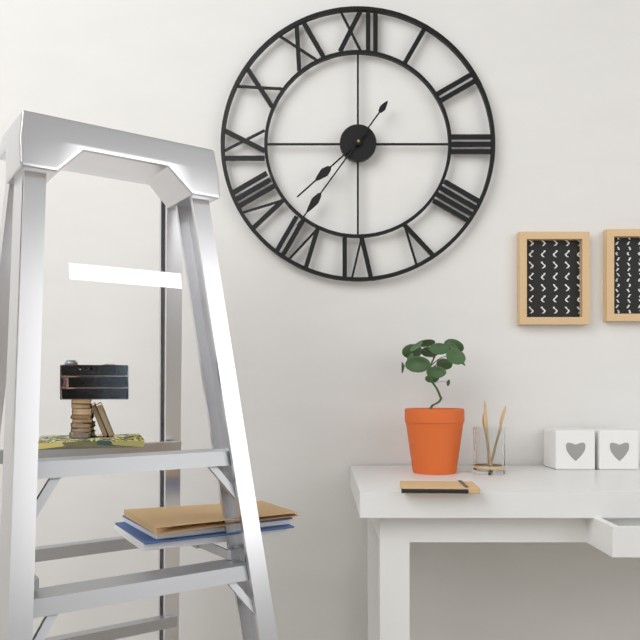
7:36
